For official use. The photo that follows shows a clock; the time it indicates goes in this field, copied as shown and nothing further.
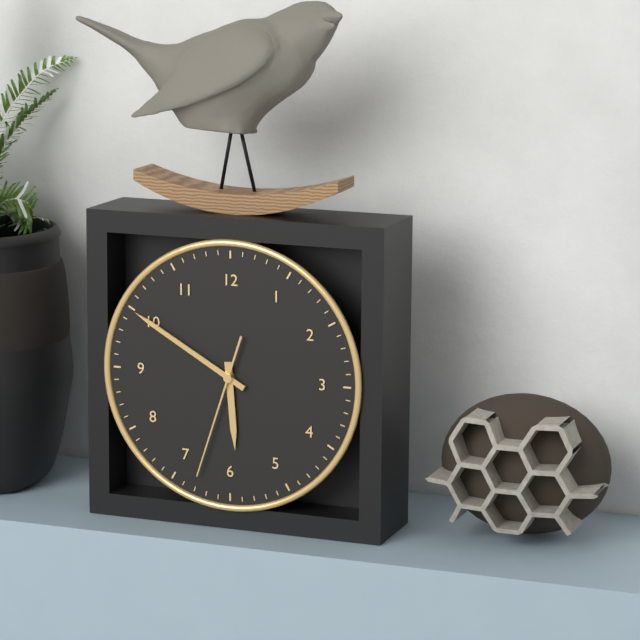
5:50:33
